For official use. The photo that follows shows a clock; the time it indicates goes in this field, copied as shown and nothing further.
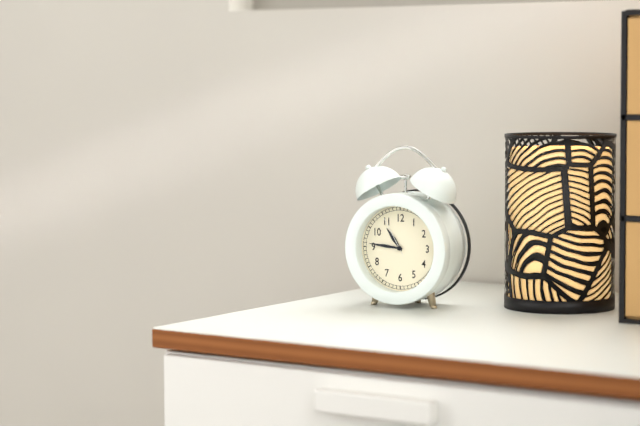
10:46
